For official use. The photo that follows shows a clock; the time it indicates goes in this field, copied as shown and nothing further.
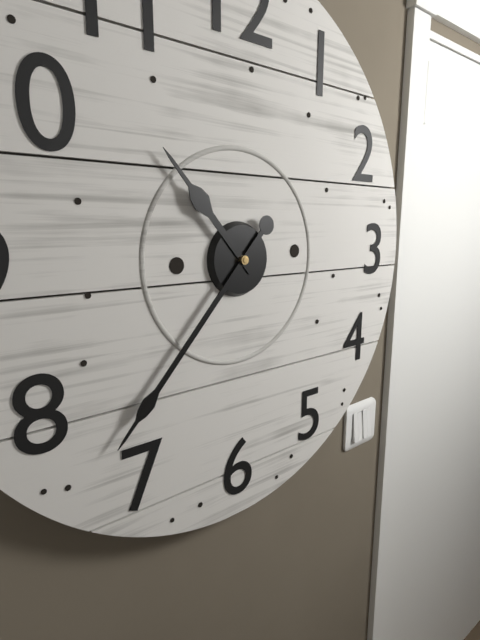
10:37
